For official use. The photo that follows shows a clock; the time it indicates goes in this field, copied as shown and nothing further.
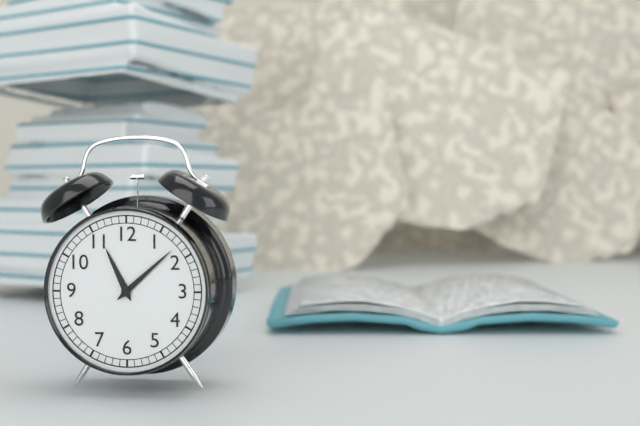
11:08
